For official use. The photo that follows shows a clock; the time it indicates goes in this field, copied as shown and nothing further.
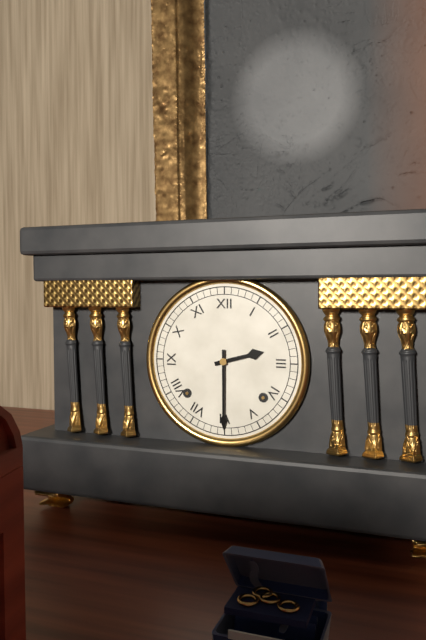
2:30
